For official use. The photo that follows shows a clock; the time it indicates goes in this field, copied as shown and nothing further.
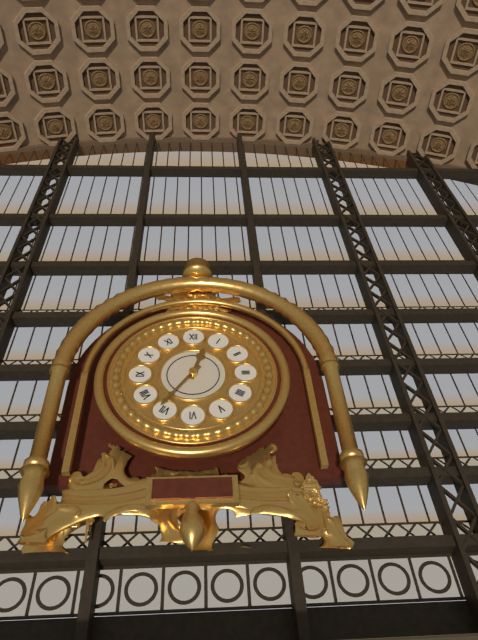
12:36
